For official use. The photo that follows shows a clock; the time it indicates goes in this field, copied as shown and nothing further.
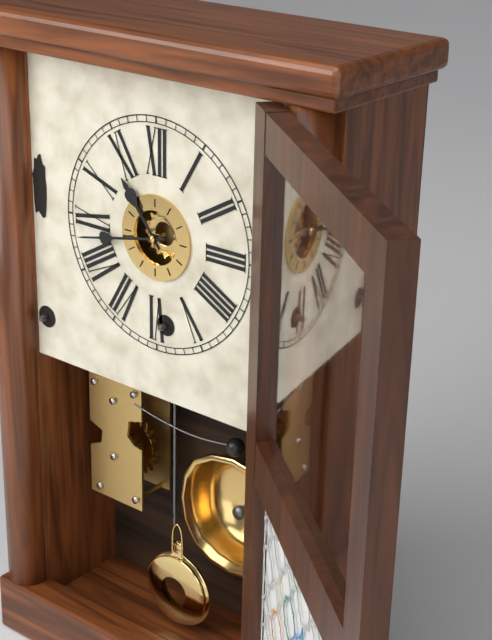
10:43
